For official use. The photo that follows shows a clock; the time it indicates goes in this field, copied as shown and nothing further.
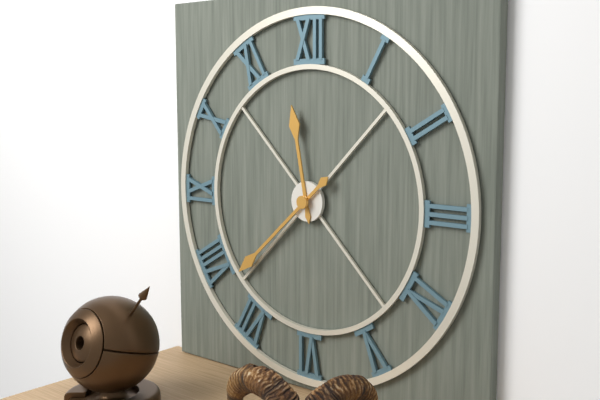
11:38
